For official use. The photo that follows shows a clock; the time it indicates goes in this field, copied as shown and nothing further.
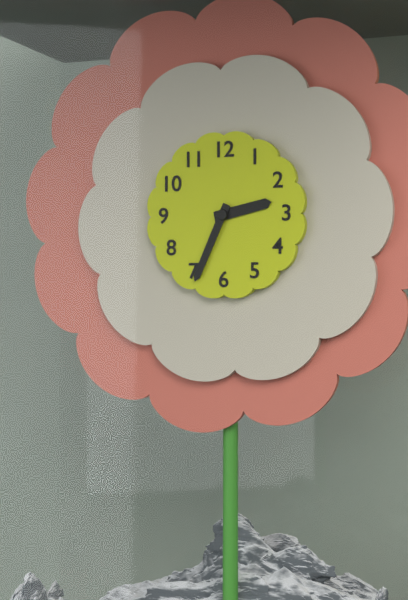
2:34
